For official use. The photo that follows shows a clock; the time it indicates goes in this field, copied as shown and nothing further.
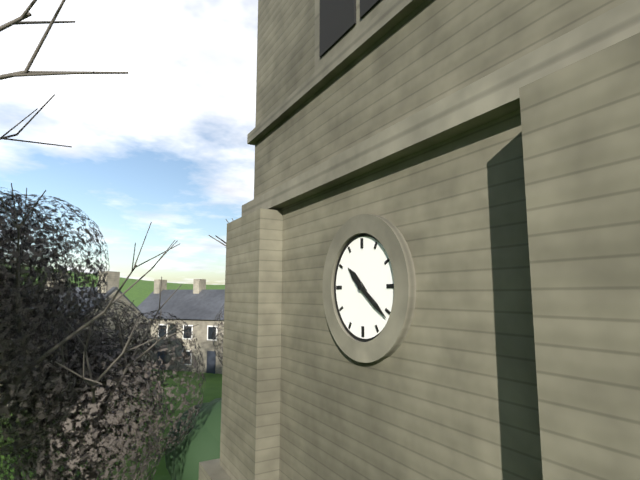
10:21
